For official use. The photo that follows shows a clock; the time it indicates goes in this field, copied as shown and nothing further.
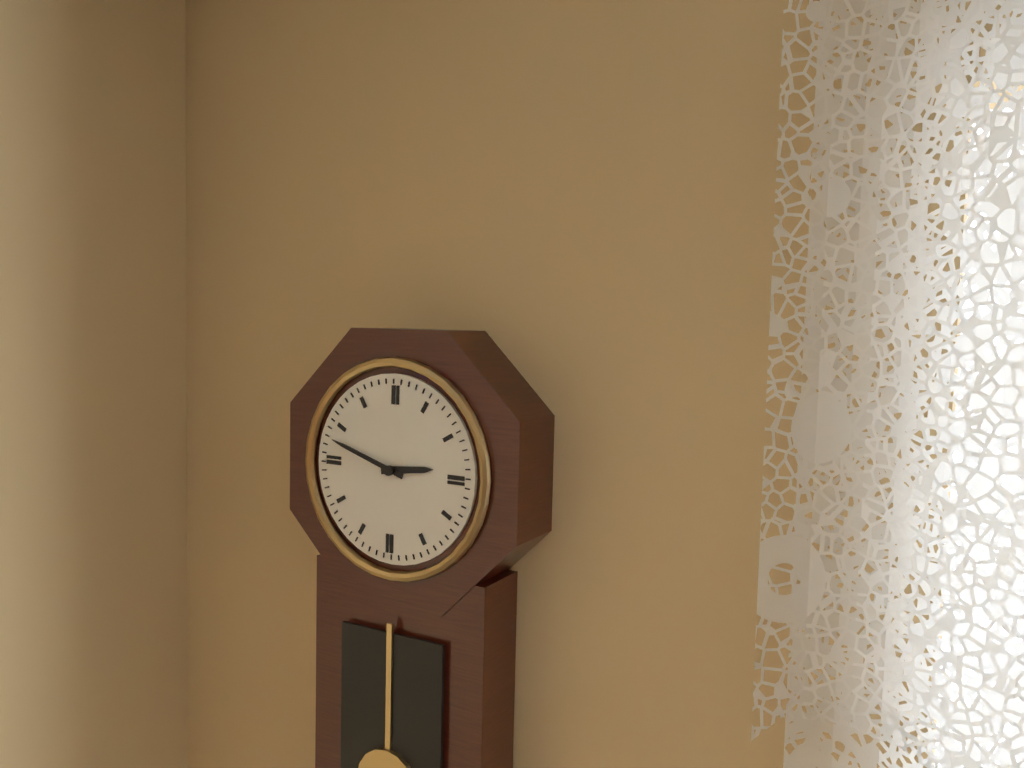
2:48
